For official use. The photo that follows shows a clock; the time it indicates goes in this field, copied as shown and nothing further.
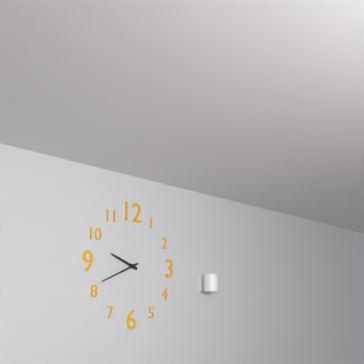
9:41
